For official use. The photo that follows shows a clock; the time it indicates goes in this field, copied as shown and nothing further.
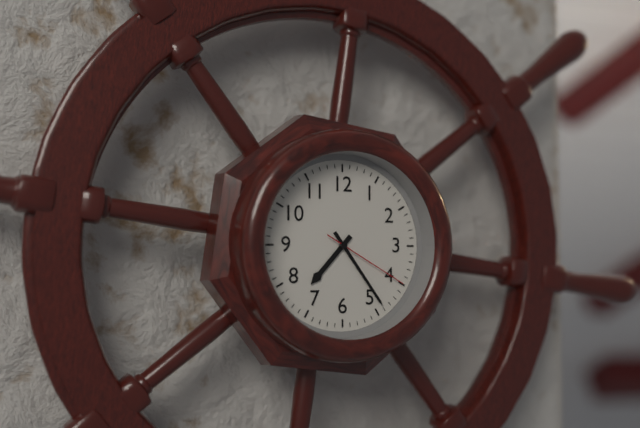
7:24:20
